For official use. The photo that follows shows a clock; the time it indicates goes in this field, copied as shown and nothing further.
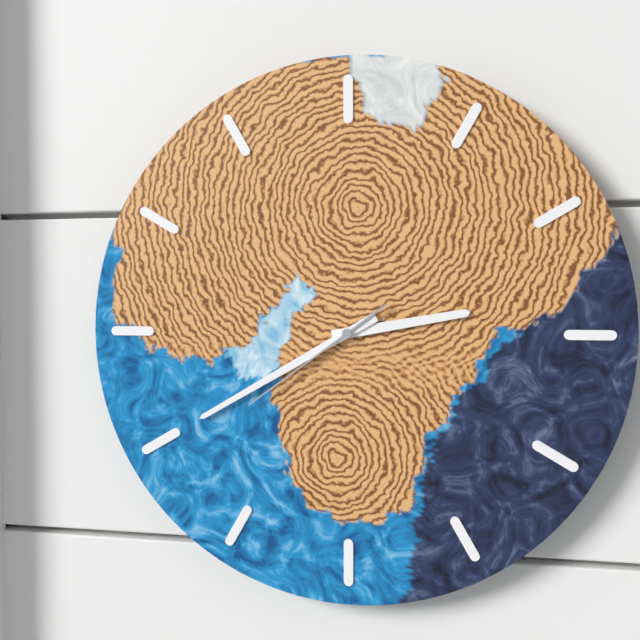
2:40:39
